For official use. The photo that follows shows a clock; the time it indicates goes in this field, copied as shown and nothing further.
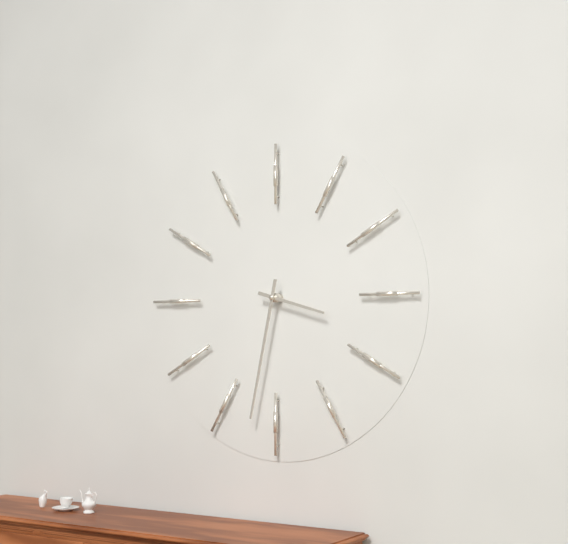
3:32
